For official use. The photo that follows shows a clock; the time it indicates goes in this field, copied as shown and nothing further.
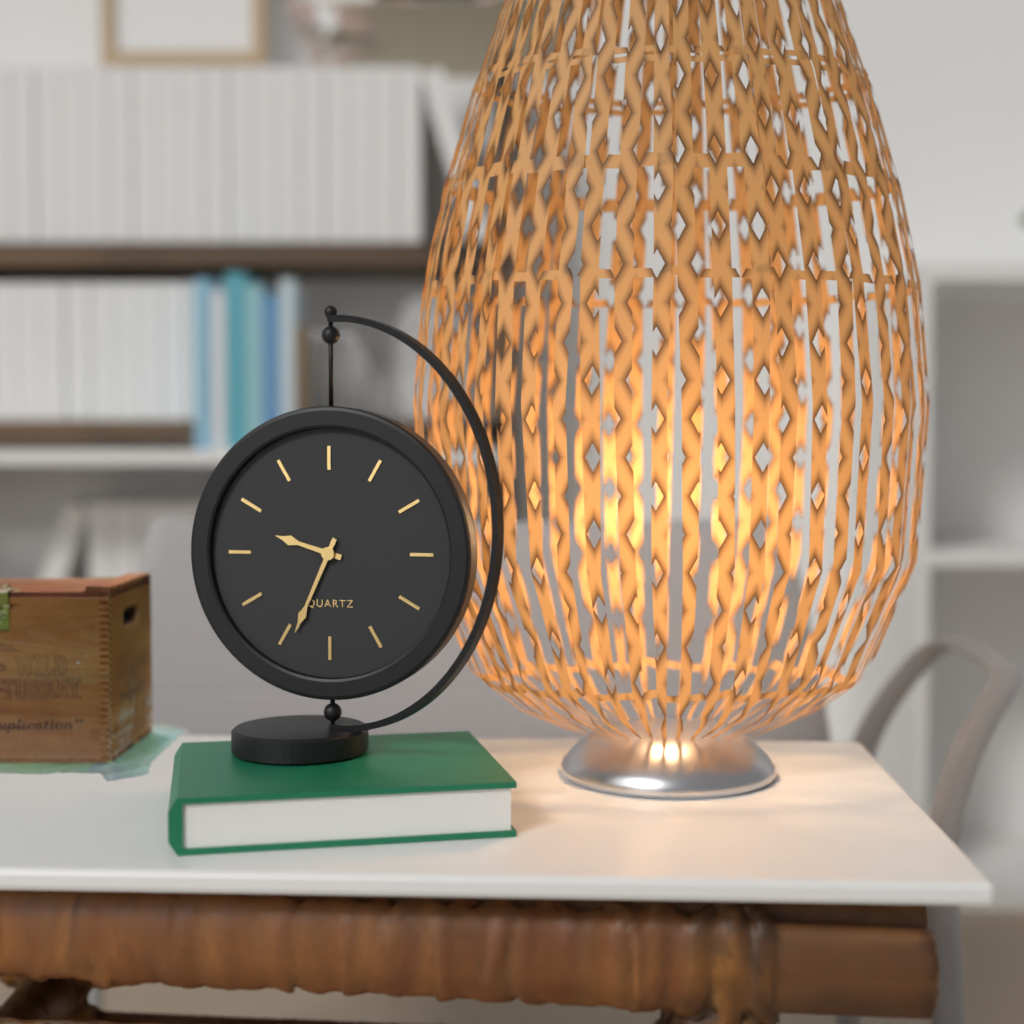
9:34
